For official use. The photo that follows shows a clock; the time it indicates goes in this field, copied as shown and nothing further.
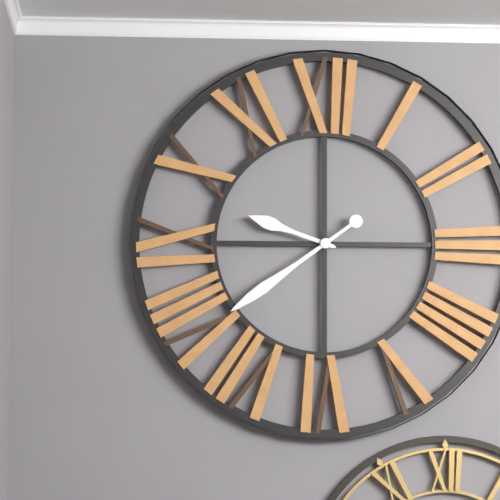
9:39
